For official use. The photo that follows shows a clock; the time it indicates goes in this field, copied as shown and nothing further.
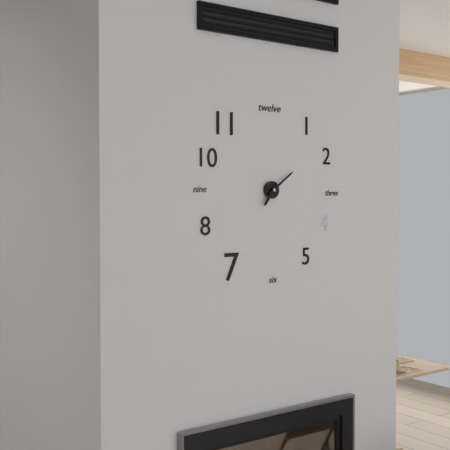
7:09
